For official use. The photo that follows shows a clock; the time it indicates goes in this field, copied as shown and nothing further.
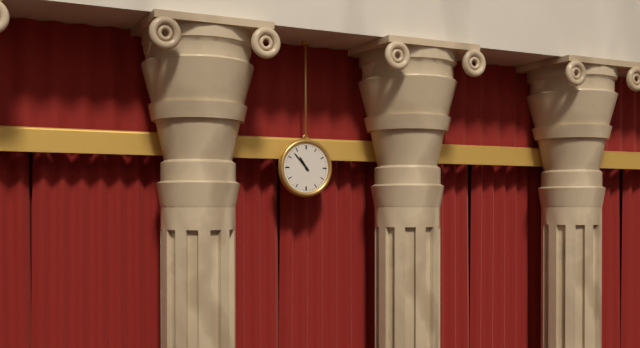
10:53
